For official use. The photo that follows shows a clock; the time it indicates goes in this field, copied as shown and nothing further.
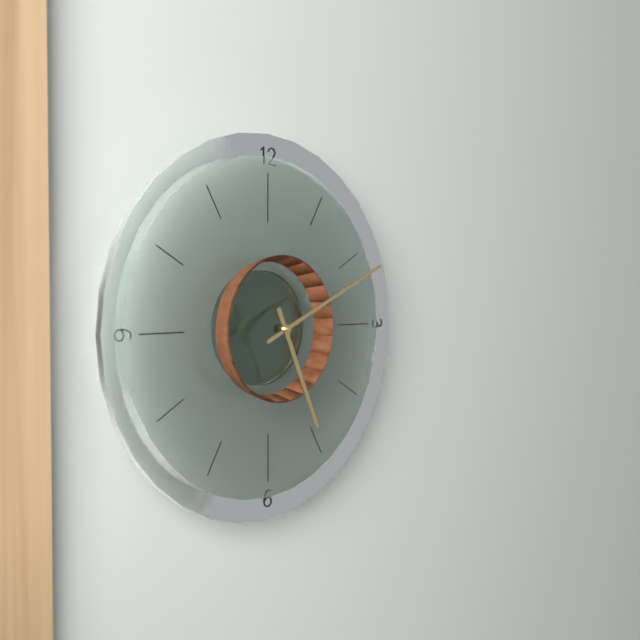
5:11
